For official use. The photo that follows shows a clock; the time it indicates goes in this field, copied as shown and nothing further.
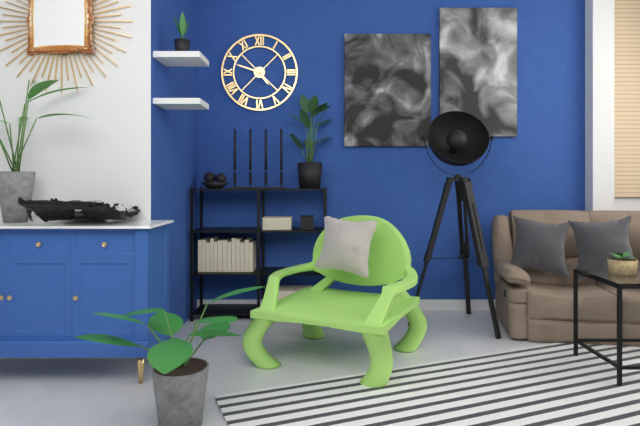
4:48
